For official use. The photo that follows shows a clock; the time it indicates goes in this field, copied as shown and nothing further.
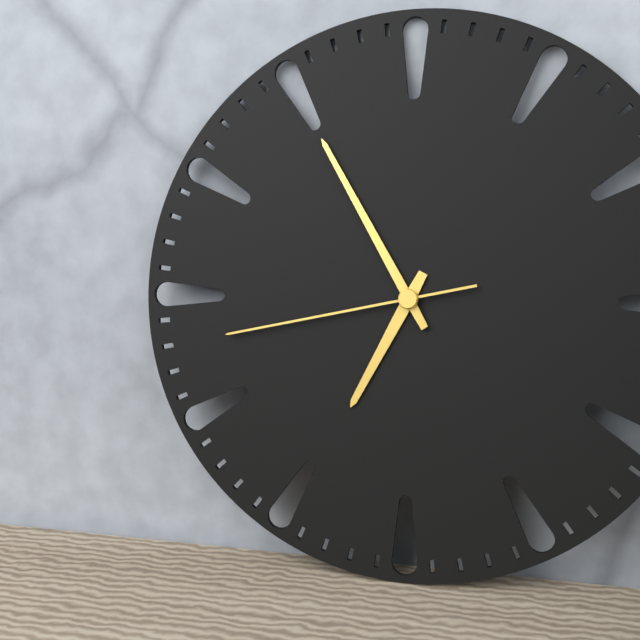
6:55:43
